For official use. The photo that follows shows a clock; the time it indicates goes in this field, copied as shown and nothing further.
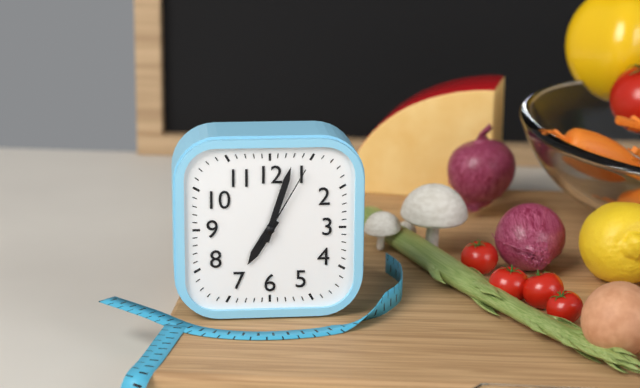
7:03:05
